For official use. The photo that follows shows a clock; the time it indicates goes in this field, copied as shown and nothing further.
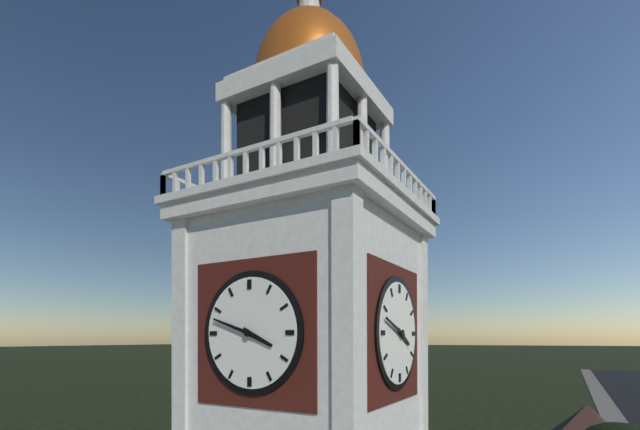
3:48
